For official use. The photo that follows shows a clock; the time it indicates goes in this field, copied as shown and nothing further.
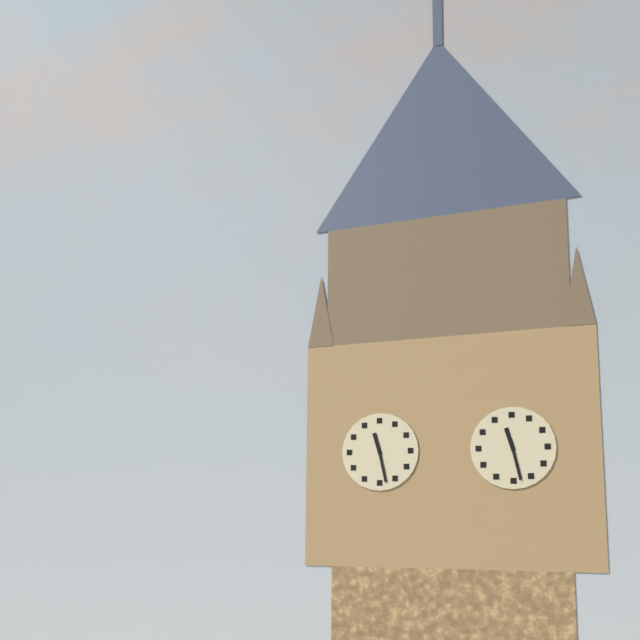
11:28
